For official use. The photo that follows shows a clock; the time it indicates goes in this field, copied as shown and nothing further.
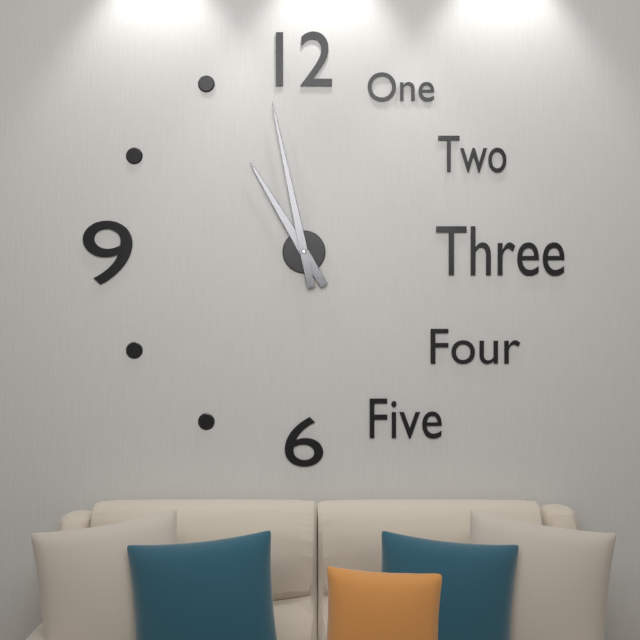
10:58
